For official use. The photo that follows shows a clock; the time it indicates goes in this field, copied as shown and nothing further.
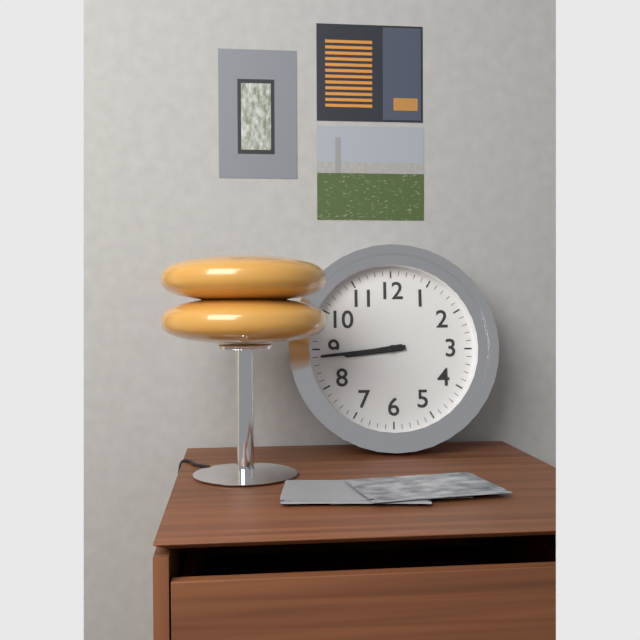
8:44
